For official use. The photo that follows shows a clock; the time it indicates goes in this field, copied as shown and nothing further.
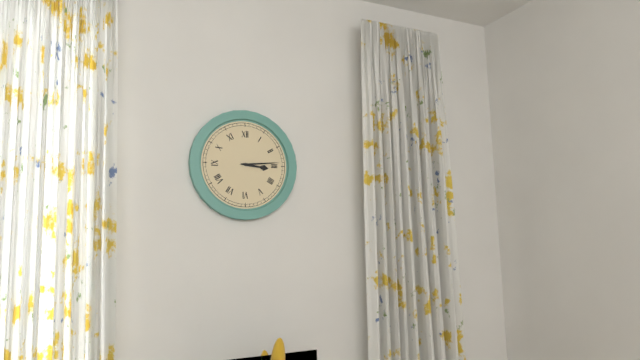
3:14
